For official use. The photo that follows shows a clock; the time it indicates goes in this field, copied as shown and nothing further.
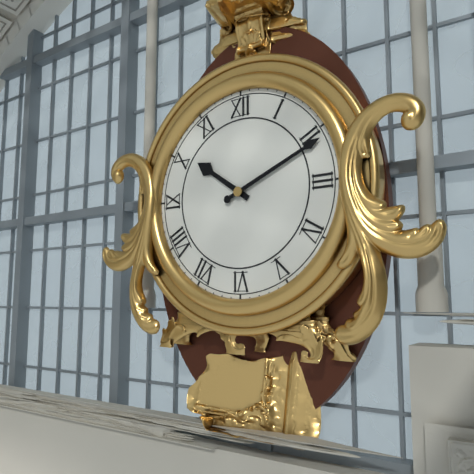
10:11
